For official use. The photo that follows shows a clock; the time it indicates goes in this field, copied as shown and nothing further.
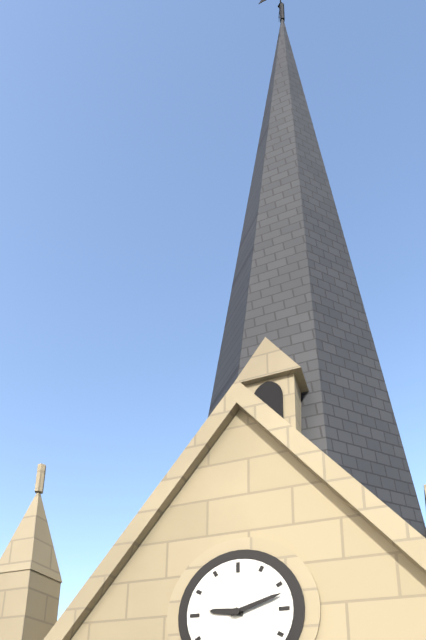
9:12
